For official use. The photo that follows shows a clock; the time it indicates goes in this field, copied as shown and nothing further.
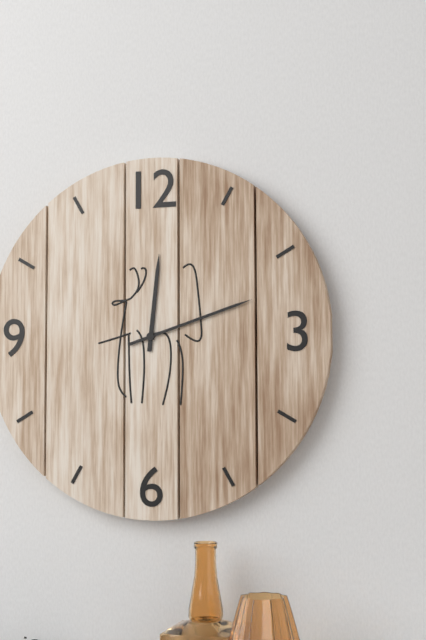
12:12
